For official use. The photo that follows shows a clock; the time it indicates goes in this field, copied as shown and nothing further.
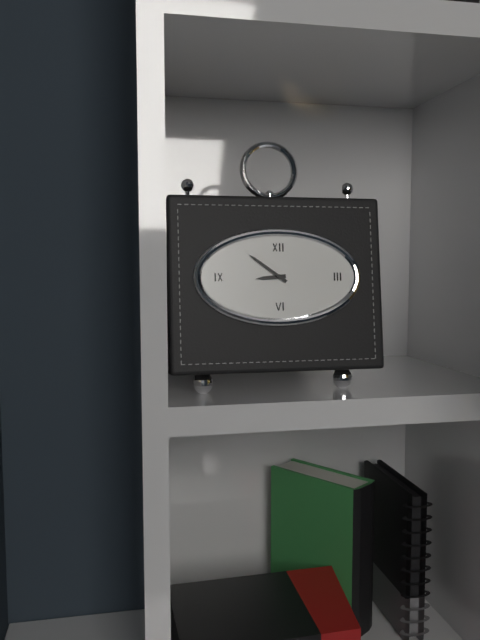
8:51
